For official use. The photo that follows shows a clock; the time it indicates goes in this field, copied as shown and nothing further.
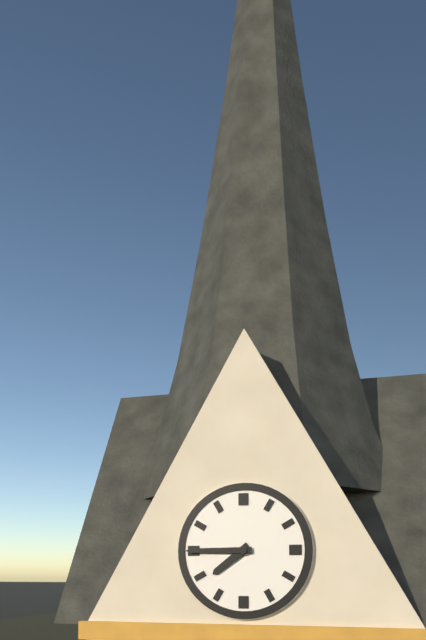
7:45
